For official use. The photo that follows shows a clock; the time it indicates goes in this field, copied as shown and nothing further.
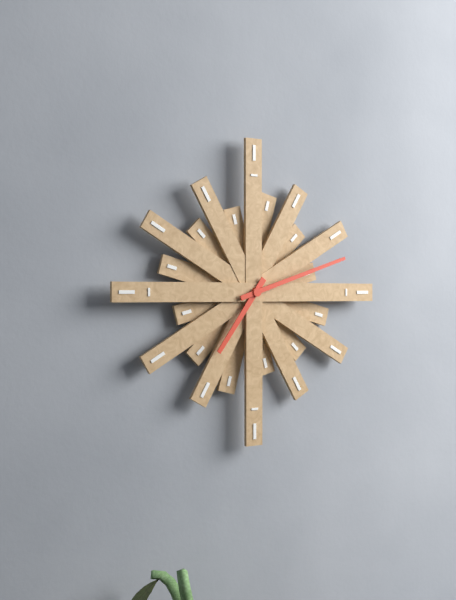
7:12
